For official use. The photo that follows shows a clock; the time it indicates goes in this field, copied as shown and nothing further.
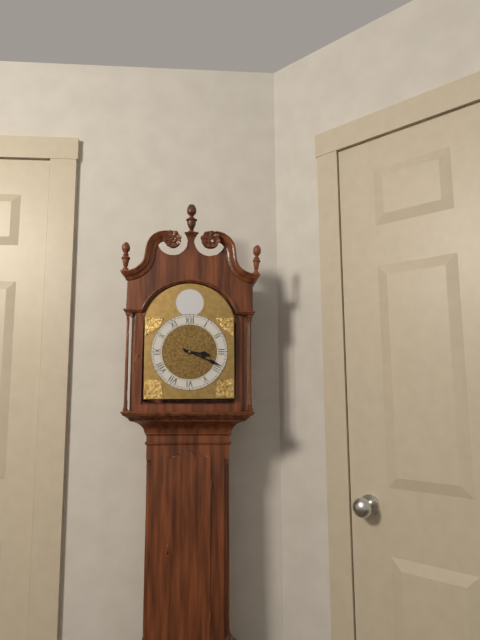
3:19
